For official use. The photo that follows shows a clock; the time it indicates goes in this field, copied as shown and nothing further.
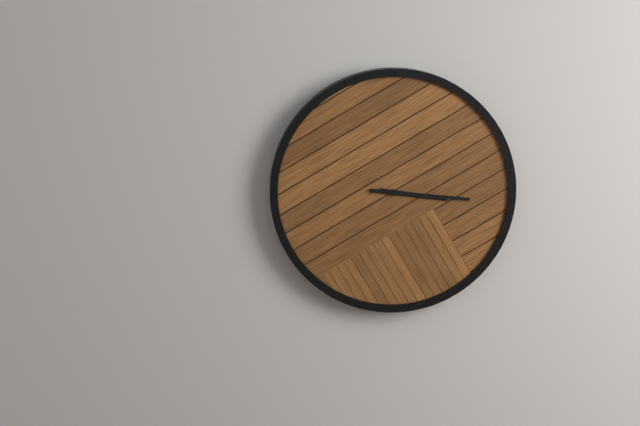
3:16
